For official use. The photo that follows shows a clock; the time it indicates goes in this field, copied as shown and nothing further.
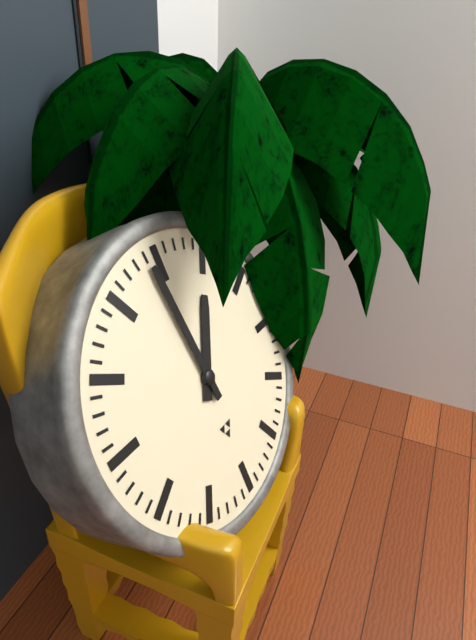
12:59
